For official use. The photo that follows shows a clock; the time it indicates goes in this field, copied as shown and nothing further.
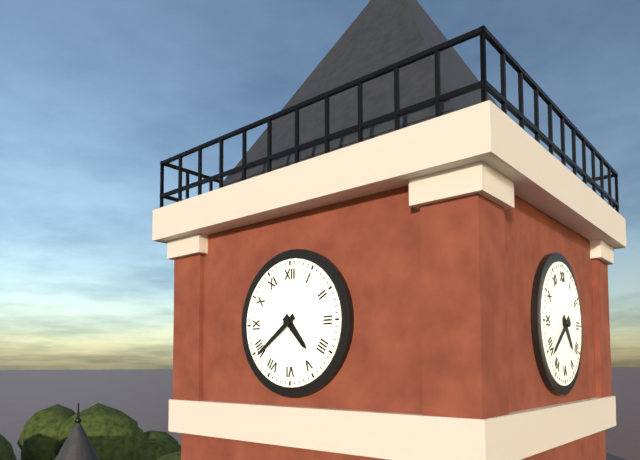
4:39
